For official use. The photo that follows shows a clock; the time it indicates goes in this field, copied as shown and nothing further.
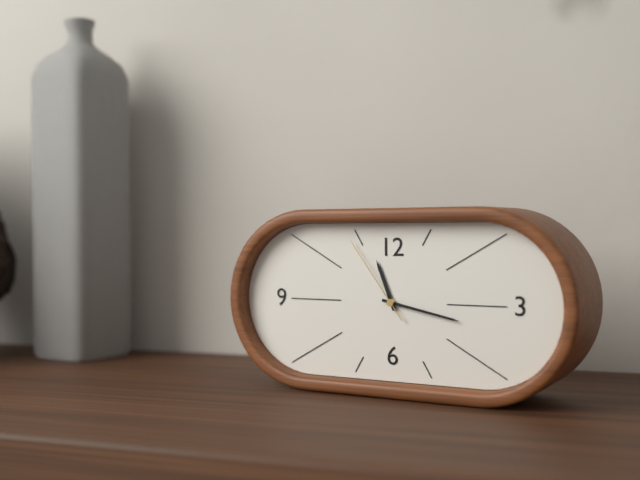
11:17:54
